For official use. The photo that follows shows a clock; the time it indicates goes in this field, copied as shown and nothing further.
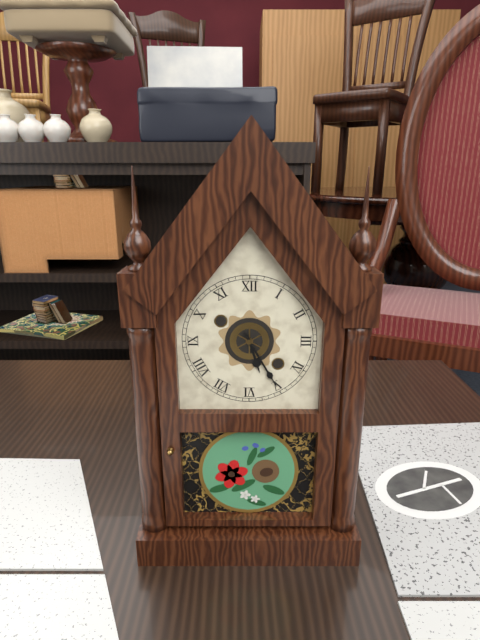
5:25
